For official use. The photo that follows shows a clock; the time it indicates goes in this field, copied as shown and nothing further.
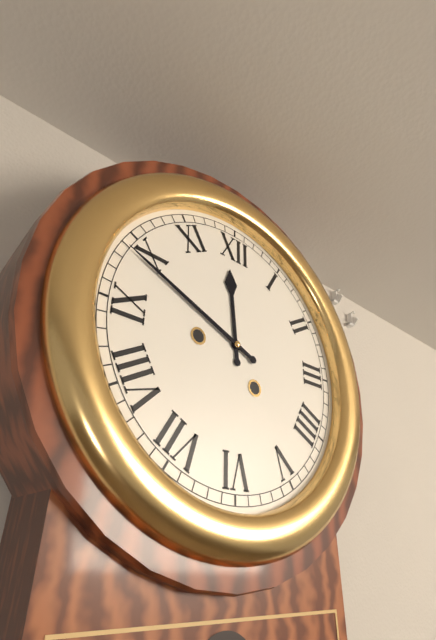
11:49
